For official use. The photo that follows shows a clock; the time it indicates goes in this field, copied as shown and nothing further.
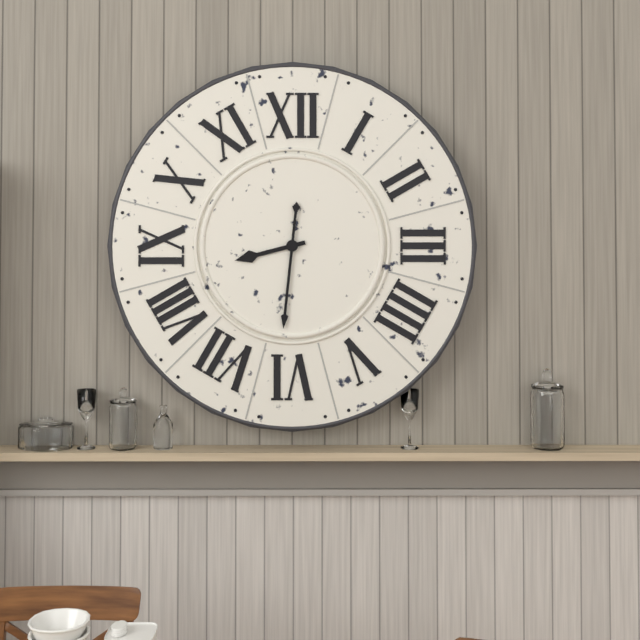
8:31
